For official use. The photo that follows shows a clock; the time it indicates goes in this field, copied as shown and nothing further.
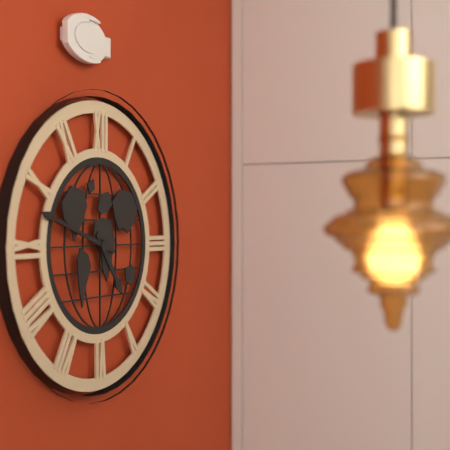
4:48
